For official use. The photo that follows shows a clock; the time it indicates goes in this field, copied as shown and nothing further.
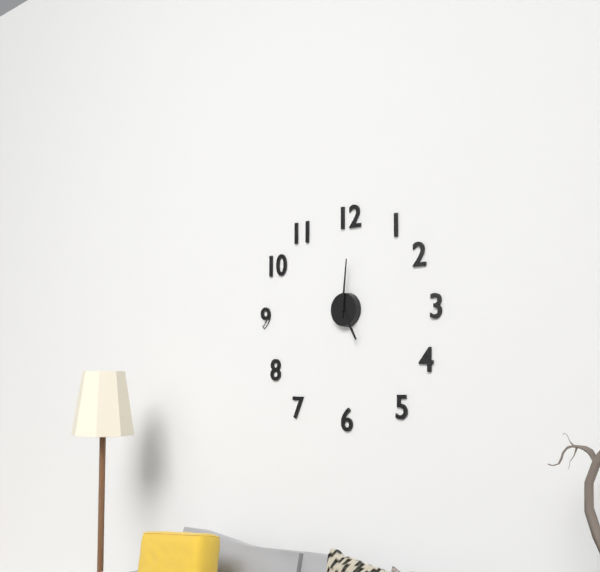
5:01
